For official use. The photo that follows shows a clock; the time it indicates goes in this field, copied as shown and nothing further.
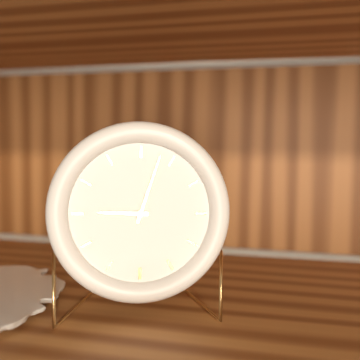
9:03
